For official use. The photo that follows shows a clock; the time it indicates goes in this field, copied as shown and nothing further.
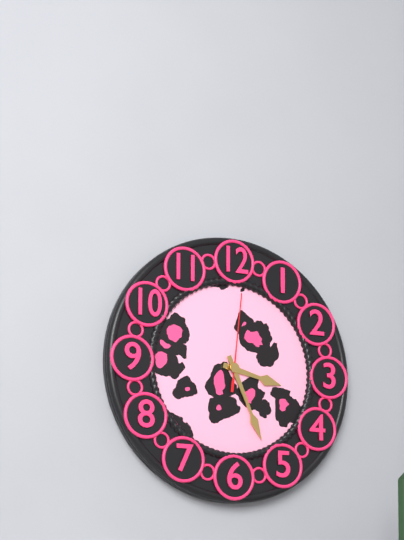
3:26:01
